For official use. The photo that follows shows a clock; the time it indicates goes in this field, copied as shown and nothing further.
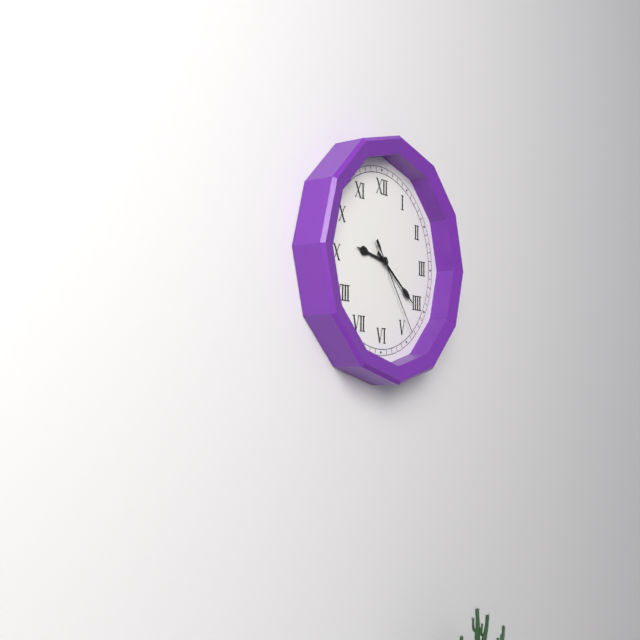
9:21:24
